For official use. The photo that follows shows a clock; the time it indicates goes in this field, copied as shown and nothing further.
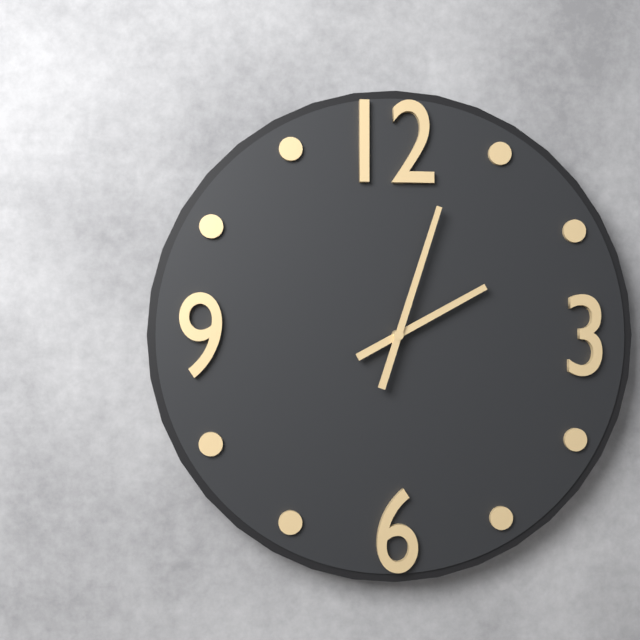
2:03
